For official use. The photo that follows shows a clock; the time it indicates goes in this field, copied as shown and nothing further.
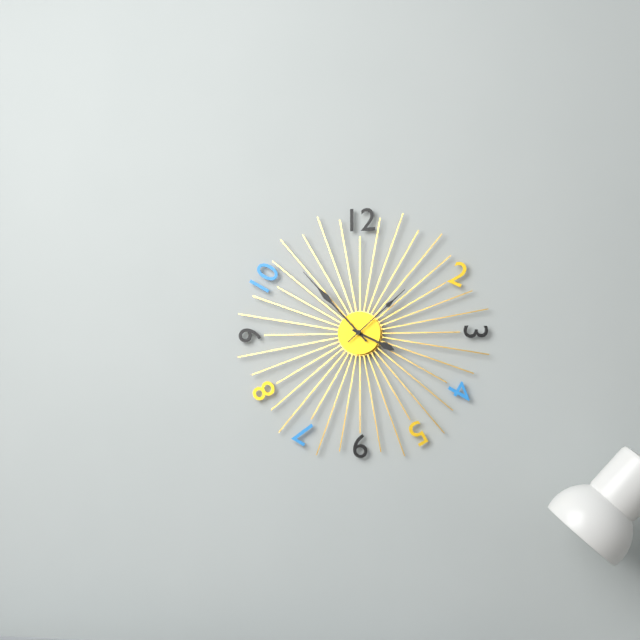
3:53:08
